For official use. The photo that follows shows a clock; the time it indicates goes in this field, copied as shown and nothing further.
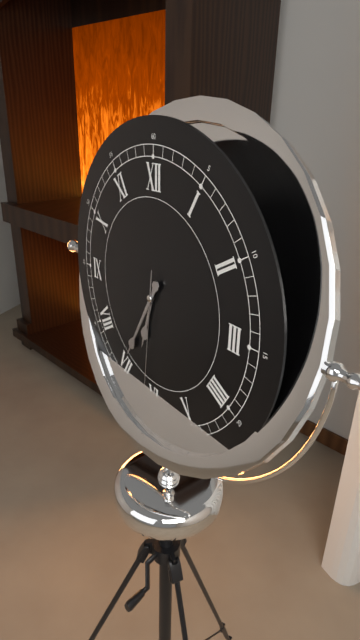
6:35:31
